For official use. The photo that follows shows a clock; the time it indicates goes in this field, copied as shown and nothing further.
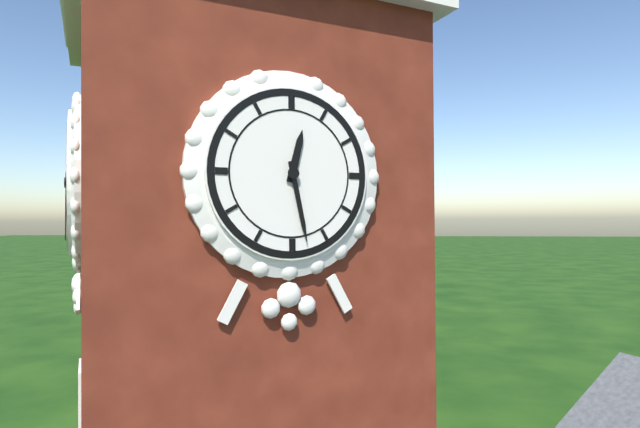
12:28
